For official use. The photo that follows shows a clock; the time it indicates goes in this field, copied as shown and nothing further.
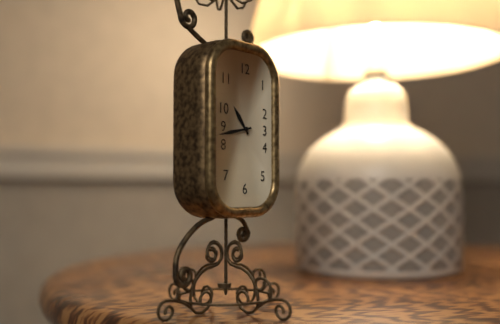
10:43
